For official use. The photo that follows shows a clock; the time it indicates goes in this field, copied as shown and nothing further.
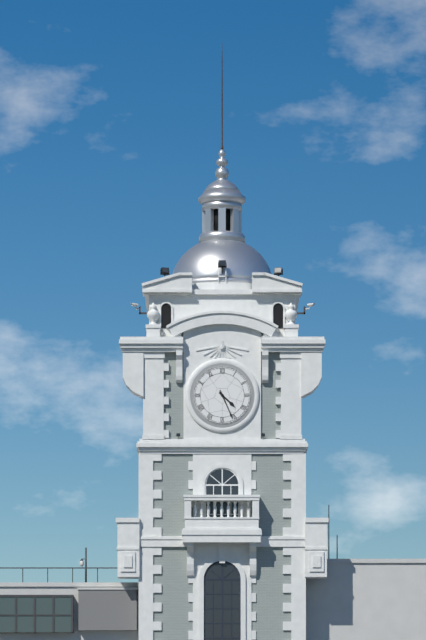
4:26
